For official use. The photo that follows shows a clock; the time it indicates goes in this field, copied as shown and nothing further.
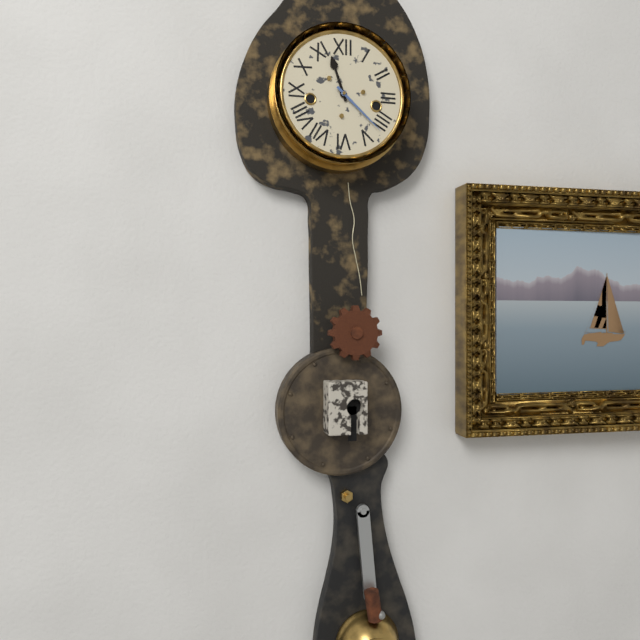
11:22
